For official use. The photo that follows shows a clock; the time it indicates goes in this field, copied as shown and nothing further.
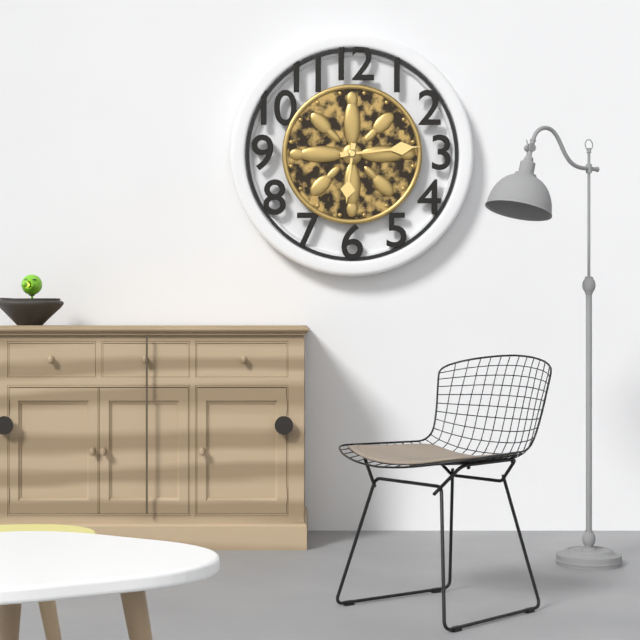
6:14
